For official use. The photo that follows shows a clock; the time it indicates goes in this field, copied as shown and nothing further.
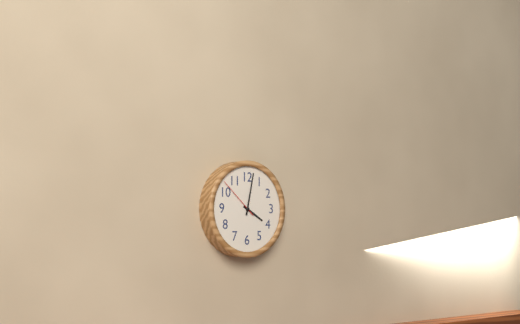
4:02
